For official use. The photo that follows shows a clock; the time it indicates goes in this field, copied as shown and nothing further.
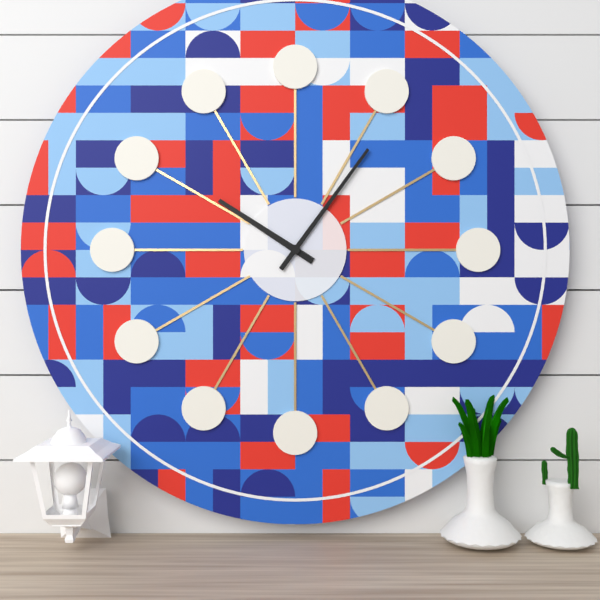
10:06
